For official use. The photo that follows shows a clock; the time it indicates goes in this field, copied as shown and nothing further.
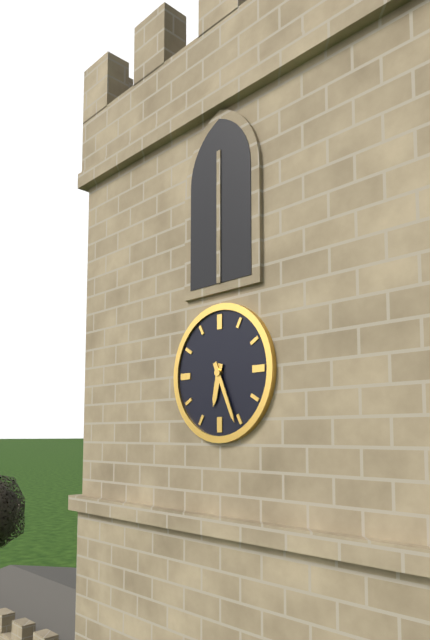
6:26
